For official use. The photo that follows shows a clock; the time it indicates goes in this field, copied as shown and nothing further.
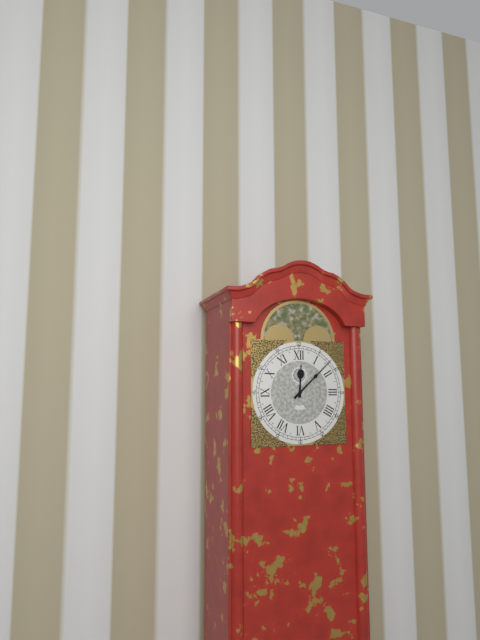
12:08
